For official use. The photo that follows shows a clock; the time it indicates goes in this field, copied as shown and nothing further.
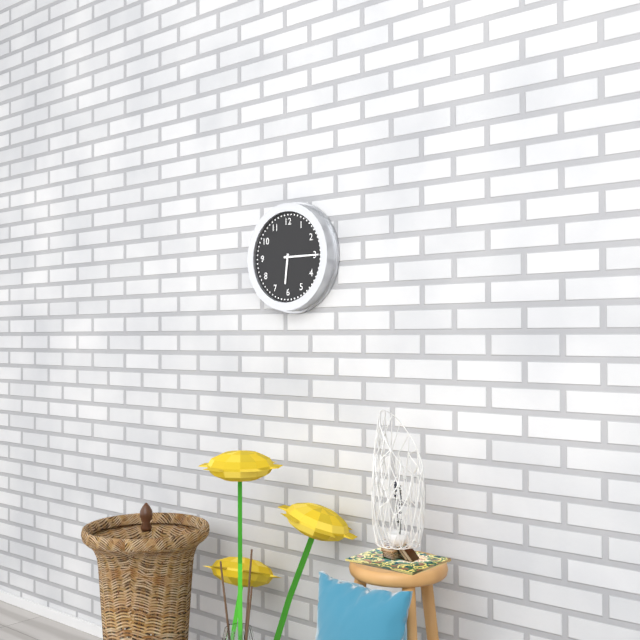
6:15
